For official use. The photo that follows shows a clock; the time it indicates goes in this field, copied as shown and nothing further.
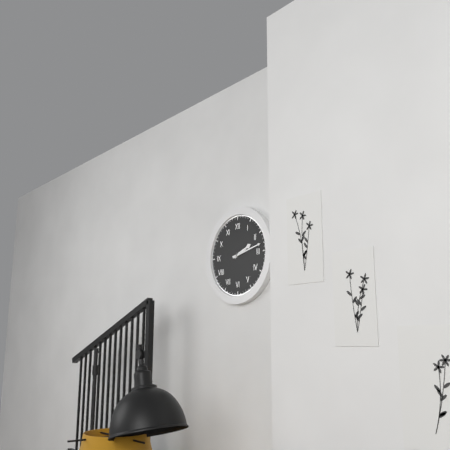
2:13
